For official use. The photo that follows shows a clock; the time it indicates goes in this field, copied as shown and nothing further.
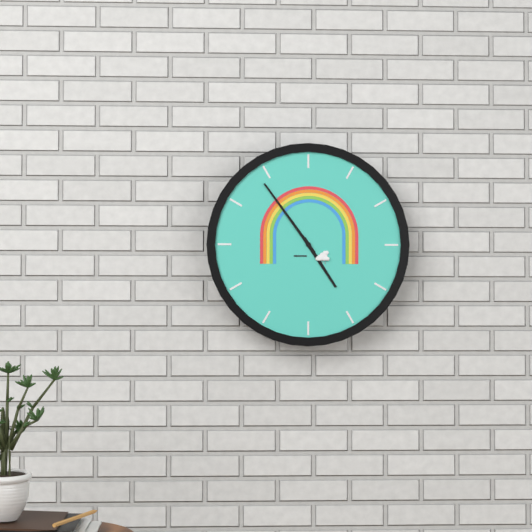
4:54
